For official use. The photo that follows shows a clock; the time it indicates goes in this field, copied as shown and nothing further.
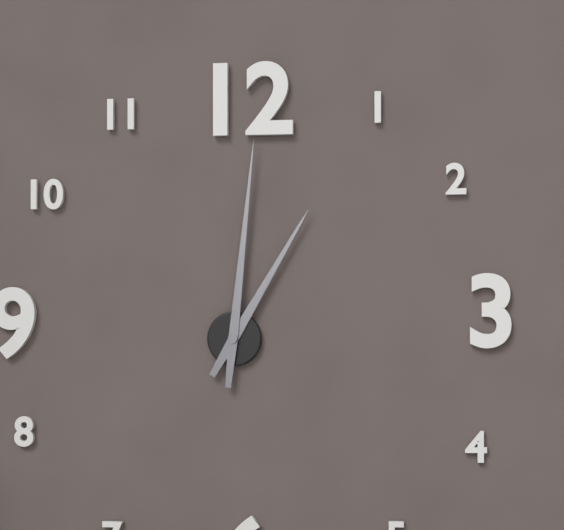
1:01
